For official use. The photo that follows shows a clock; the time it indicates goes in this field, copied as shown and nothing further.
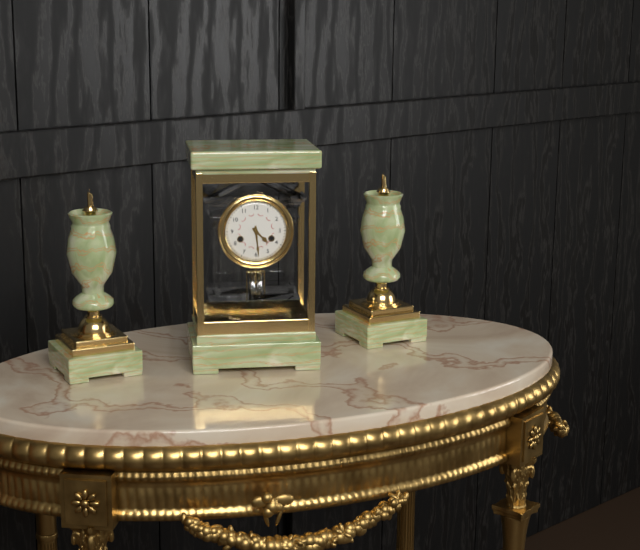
4:29
